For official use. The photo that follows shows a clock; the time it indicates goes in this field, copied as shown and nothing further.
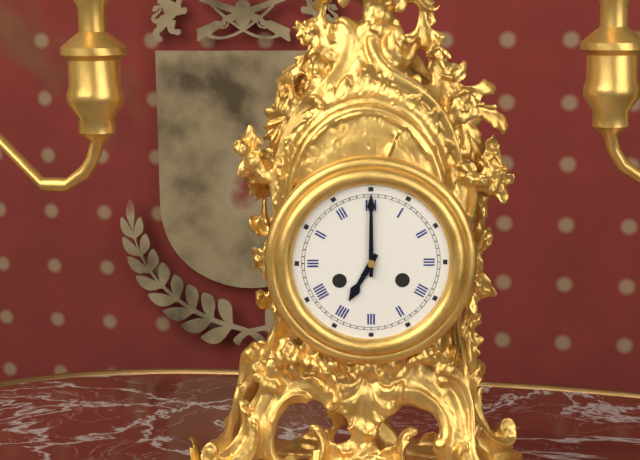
7:00
